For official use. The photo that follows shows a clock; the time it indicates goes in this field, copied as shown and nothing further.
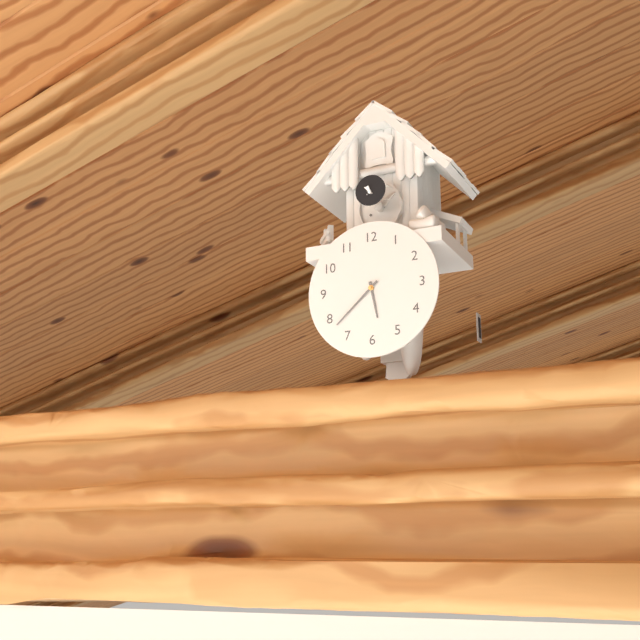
5:38
